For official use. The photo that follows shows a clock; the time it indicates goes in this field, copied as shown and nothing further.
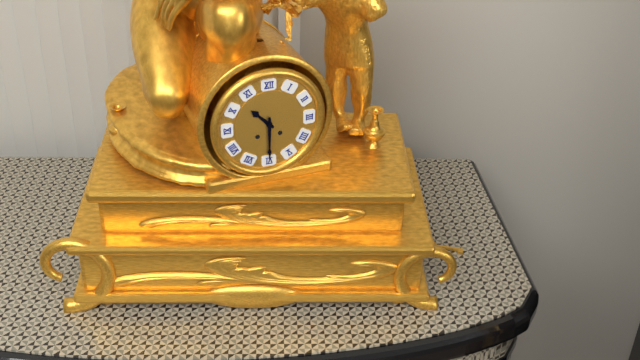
10:30
